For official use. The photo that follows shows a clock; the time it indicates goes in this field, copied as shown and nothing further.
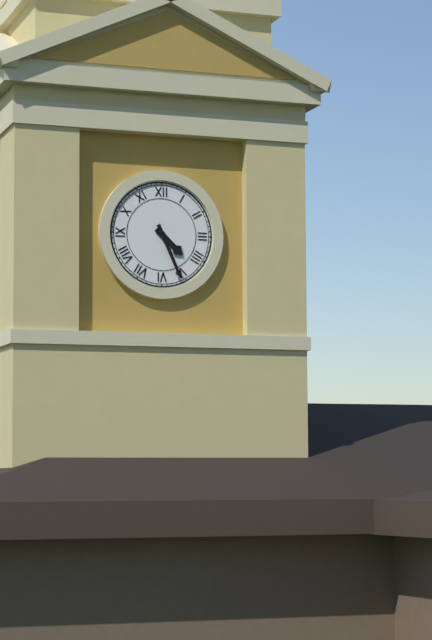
4:26
